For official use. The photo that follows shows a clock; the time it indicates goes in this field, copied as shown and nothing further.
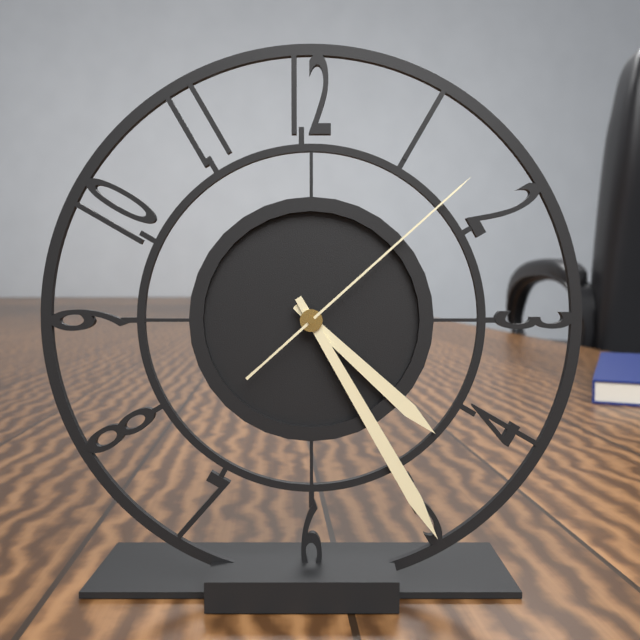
4:25:08
